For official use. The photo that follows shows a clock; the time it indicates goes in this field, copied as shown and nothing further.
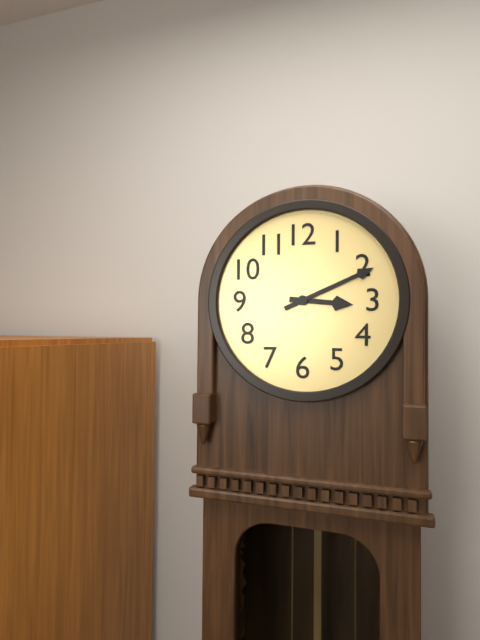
3:11
